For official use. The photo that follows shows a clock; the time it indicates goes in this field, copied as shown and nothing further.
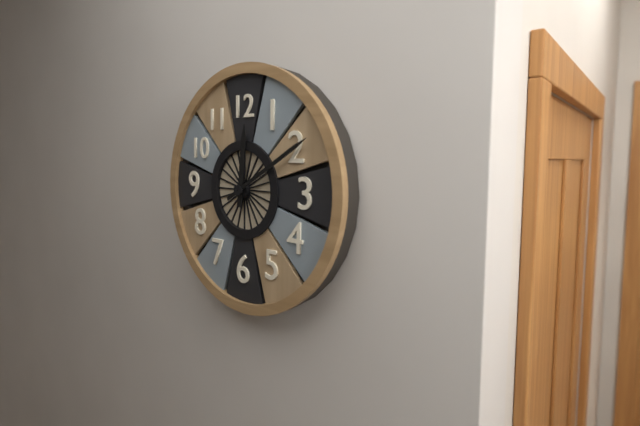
12:10
